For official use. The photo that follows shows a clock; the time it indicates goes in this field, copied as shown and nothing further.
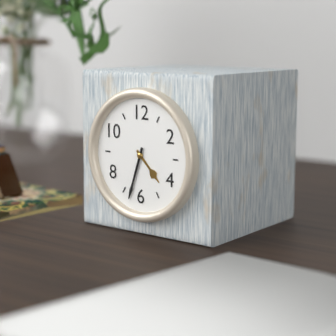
4:33
